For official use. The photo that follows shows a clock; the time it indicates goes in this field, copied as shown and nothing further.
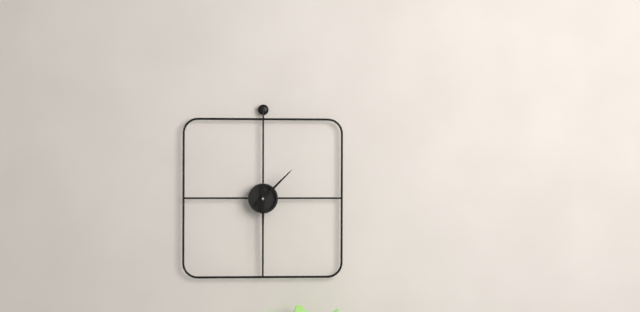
1:30
